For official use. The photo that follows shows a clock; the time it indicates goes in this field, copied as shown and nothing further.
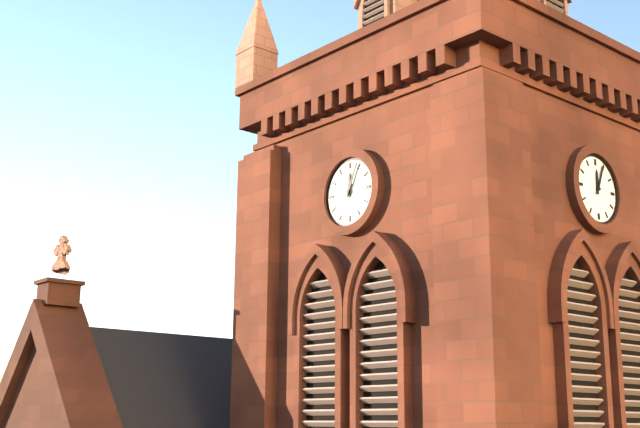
12:04
